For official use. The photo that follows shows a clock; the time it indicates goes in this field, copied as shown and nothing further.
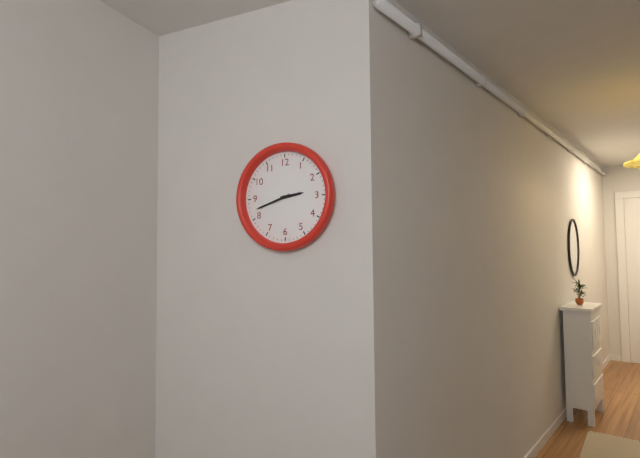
2:42
